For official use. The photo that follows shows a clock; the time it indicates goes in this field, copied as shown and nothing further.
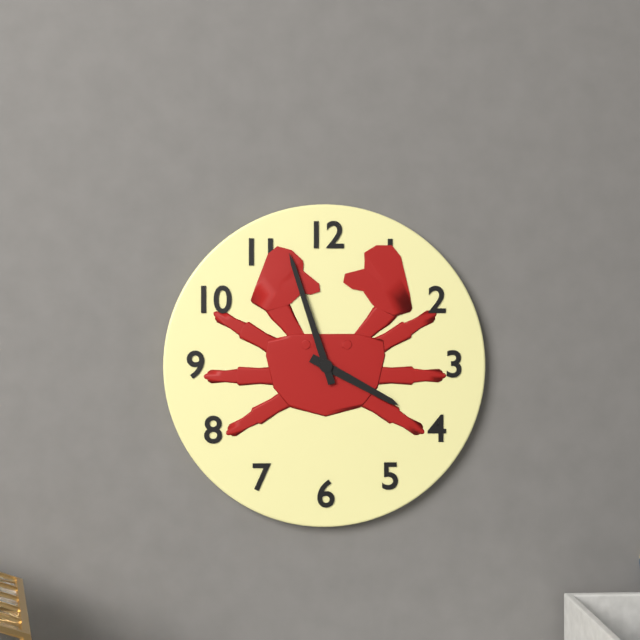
3:57
